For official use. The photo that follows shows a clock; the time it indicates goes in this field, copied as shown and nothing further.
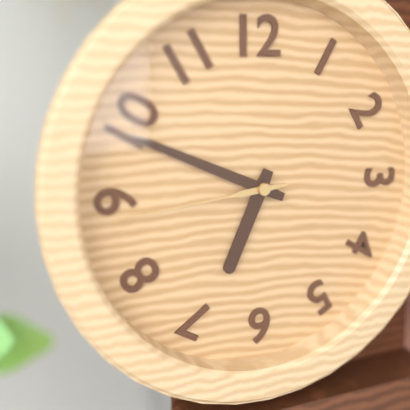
6:49:44
